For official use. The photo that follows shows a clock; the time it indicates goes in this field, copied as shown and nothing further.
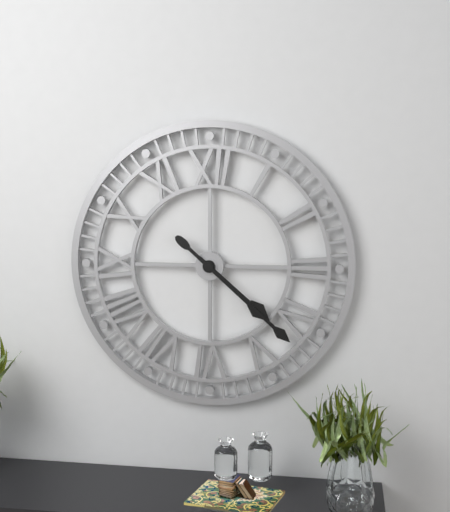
4:22
